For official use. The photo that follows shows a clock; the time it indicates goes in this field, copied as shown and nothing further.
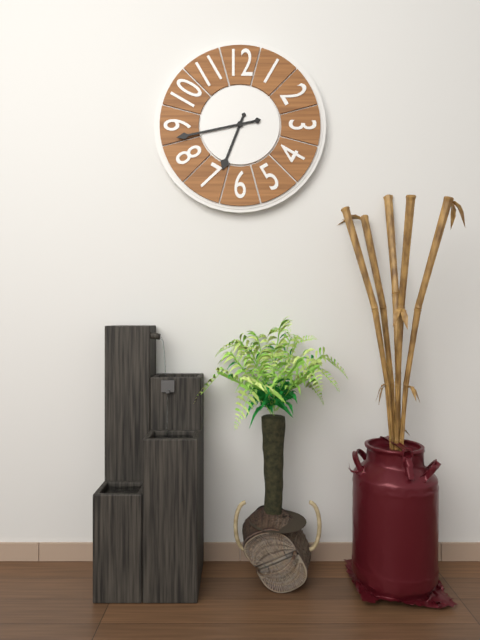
6:43
